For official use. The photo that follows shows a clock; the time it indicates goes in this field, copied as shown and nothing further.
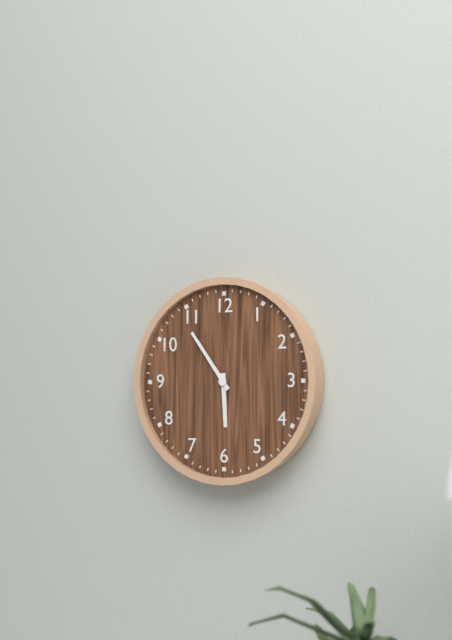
5:54
